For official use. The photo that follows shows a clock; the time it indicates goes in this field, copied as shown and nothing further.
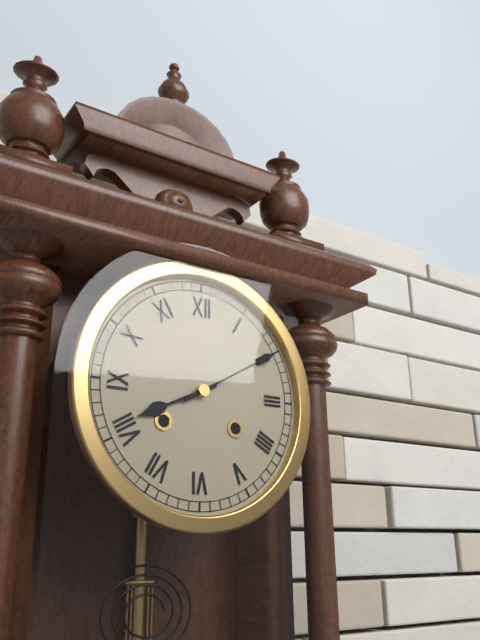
8:10
